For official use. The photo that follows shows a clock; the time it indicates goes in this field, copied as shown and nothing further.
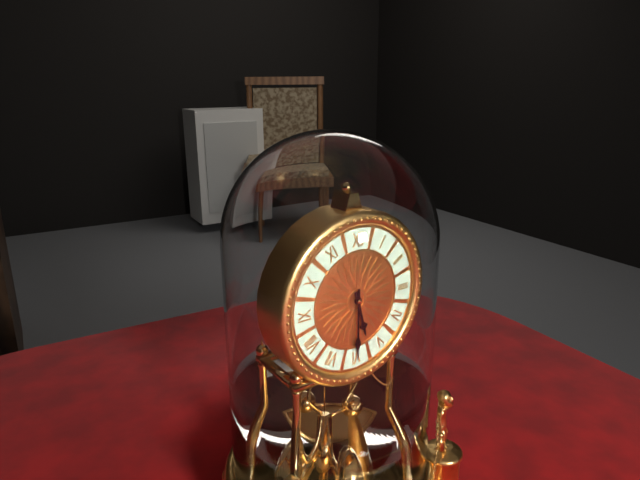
5:30
